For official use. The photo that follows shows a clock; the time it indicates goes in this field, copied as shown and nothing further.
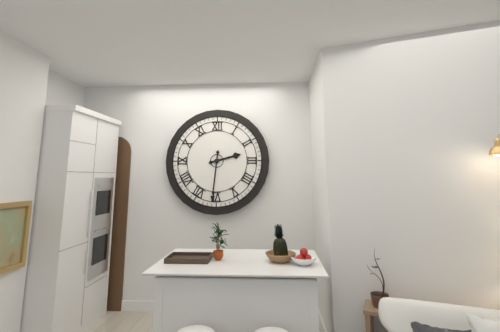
2:31
